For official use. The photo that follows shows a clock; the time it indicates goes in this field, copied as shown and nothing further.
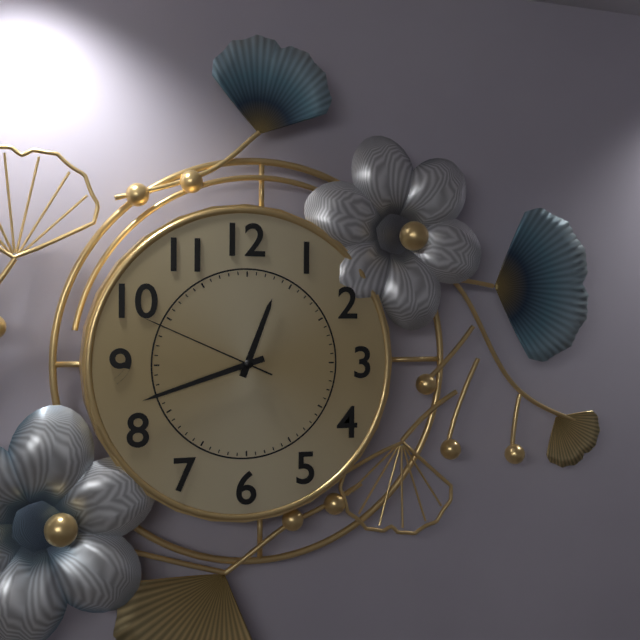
12:42:49
